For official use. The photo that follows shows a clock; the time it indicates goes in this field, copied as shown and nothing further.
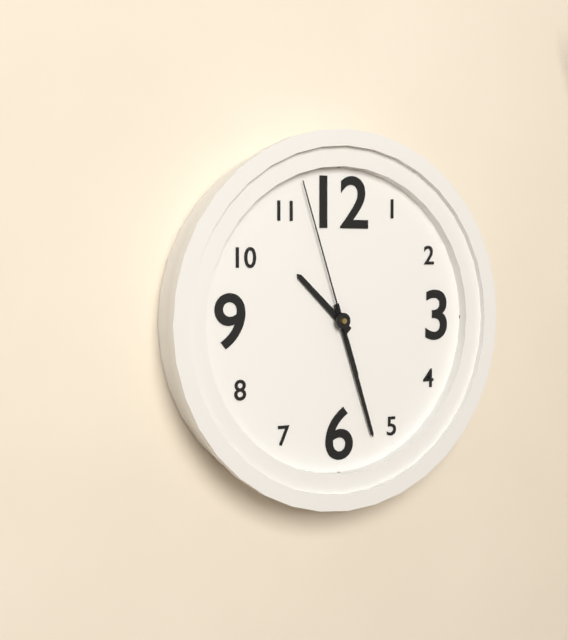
10:27:57
